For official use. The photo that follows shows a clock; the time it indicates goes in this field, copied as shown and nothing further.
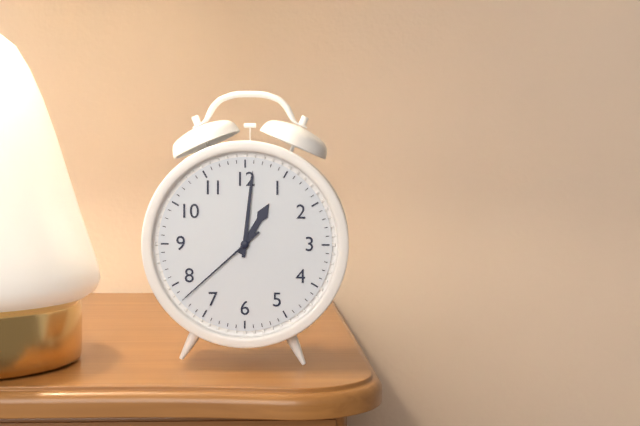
1:01:38
